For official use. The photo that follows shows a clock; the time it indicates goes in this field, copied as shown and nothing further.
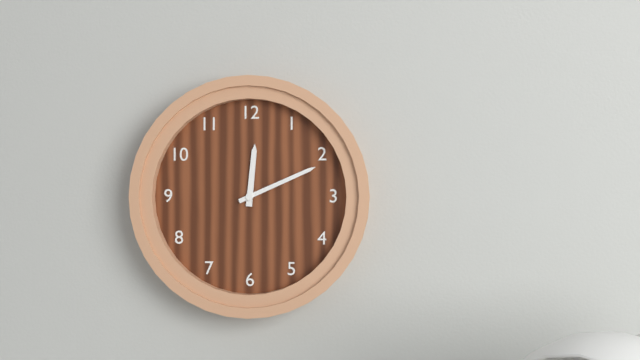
12:11
